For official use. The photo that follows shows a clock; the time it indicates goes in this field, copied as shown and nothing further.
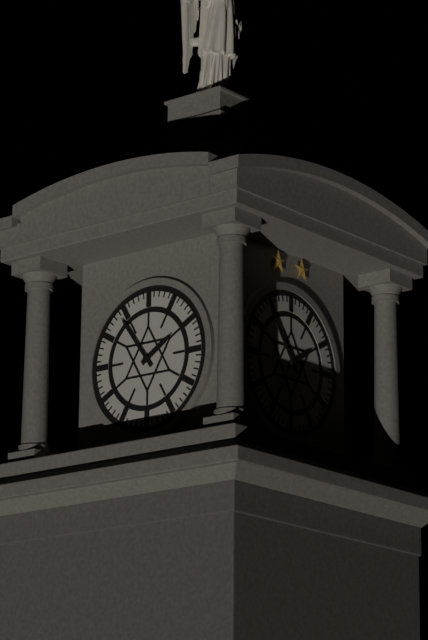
1:54
